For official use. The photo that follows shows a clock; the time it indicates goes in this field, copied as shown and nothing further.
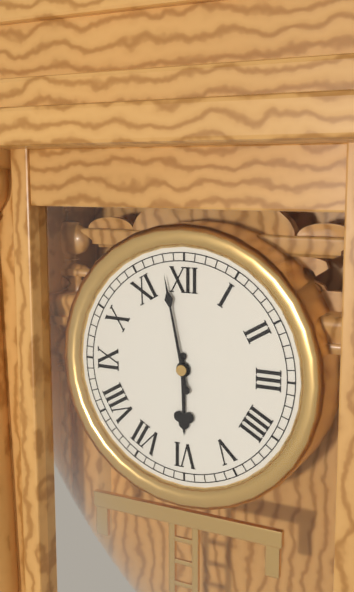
5:58
